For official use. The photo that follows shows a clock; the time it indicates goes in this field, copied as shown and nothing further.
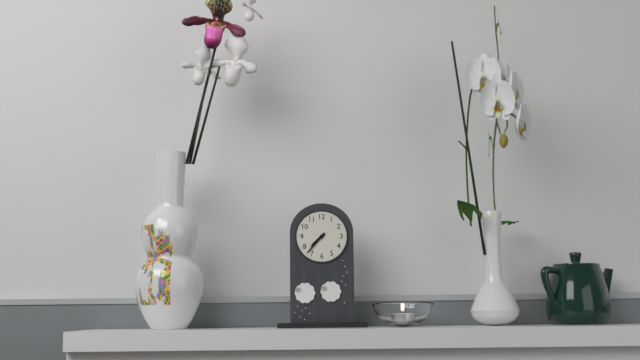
7:37
